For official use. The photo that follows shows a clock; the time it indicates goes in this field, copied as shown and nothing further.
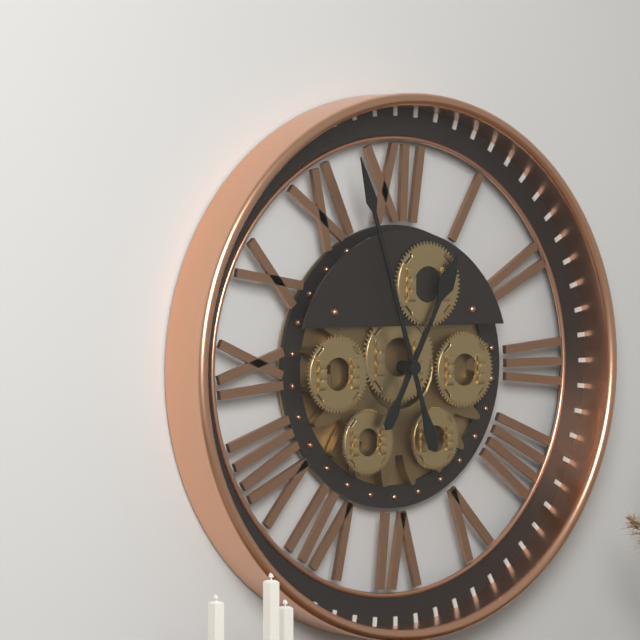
12:57
